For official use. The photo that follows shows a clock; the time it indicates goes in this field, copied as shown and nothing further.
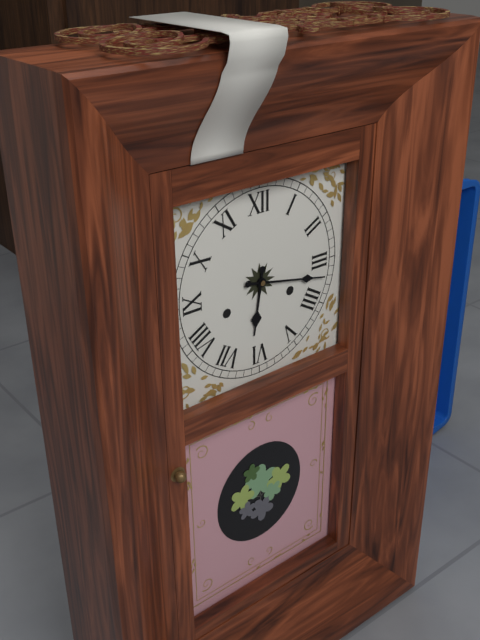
6:17
